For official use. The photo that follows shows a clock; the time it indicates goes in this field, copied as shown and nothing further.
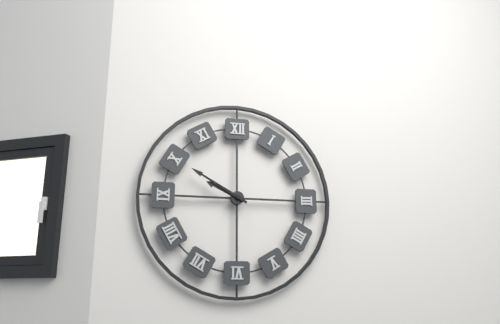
9:50
